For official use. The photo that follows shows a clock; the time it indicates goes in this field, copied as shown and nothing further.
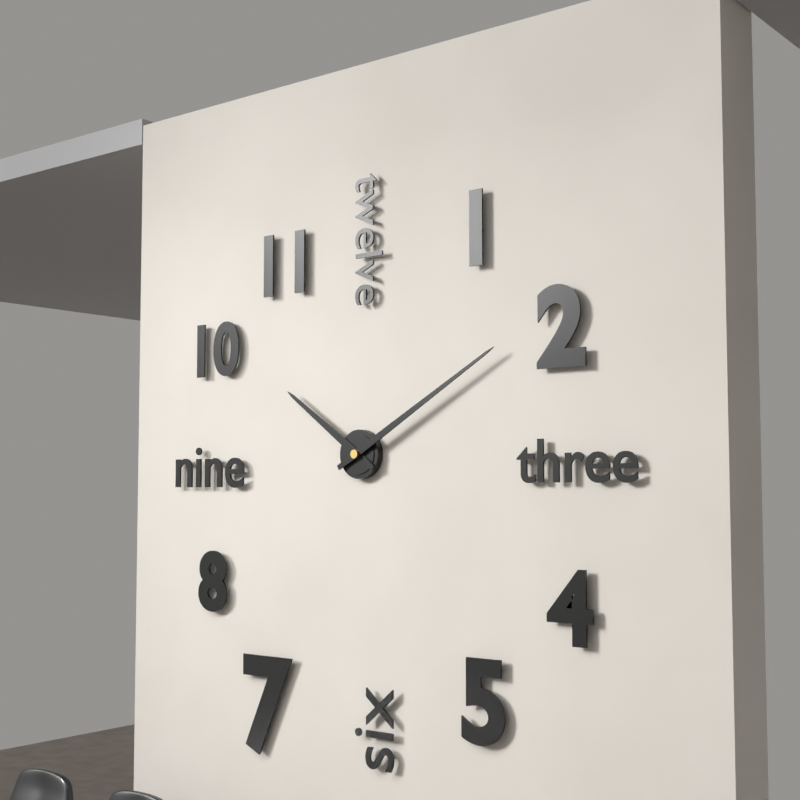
10:10
